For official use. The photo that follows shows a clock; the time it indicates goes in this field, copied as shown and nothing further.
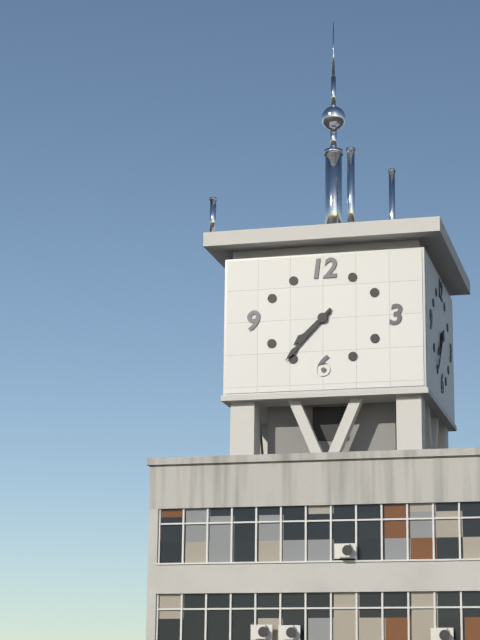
7:37
